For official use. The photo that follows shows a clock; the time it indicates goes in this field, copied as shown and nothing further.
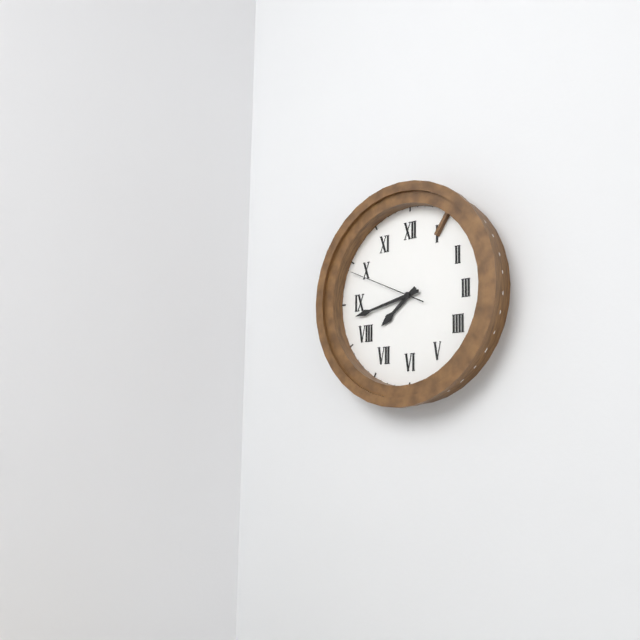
7:43:49
